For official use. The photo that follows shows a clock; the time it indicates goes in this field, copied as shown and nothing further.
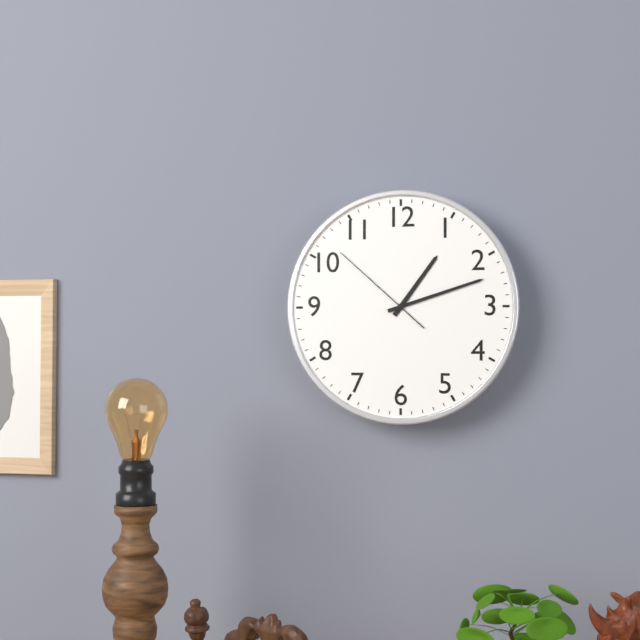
1:12:52
